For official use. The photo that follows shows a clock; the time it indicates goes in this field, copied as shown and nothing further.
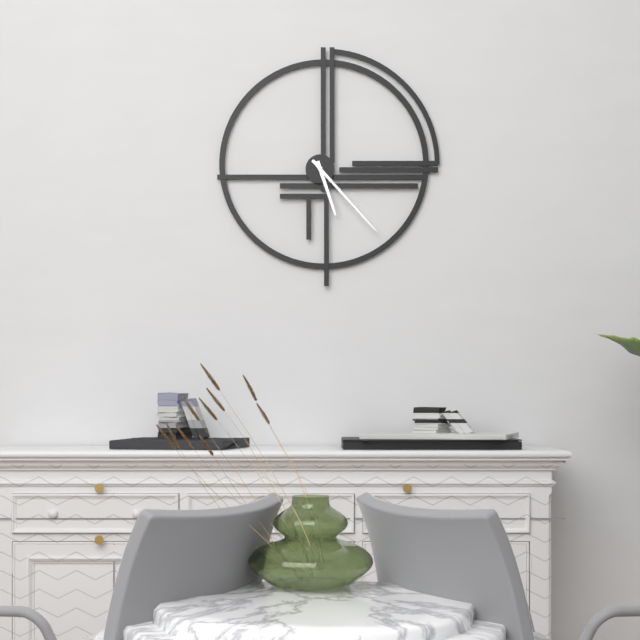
5:23
